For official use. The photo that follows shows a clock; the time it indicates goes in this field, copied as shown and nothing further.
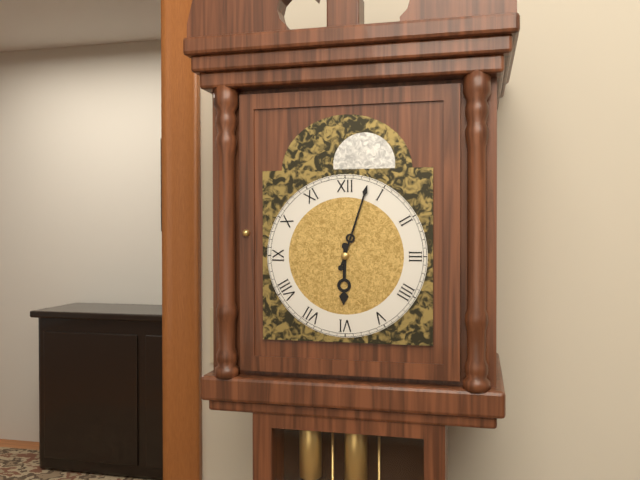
6:03
